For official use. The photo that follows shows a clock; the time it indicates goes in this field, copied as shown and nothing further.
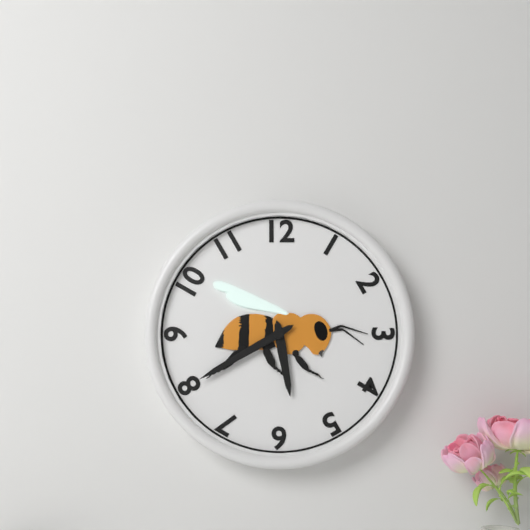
5:40
